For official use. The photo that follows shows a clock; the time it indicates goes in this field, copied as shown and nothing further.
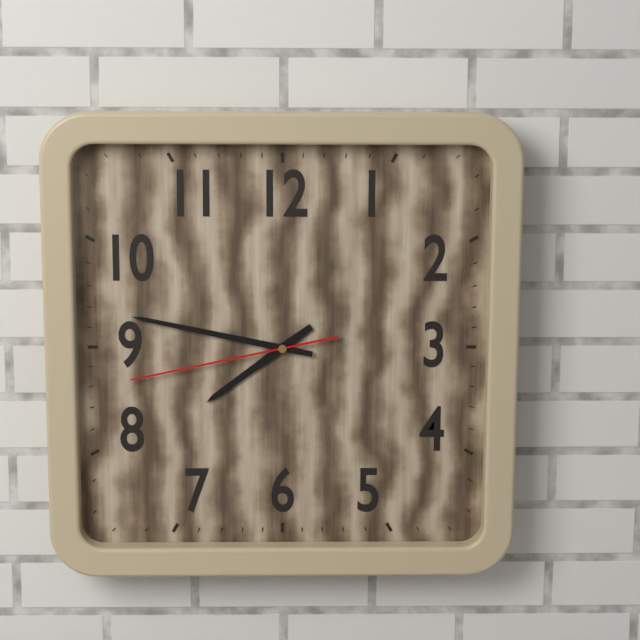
7:47:43
